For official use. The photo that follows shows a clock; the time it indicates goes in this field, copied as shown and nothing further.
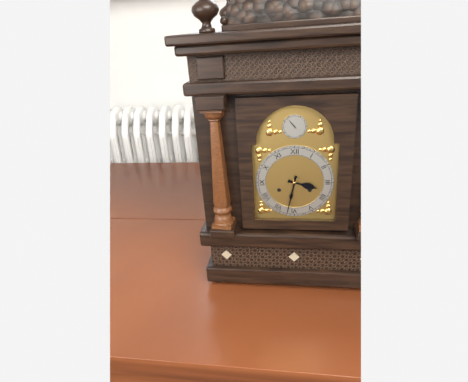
3:32
